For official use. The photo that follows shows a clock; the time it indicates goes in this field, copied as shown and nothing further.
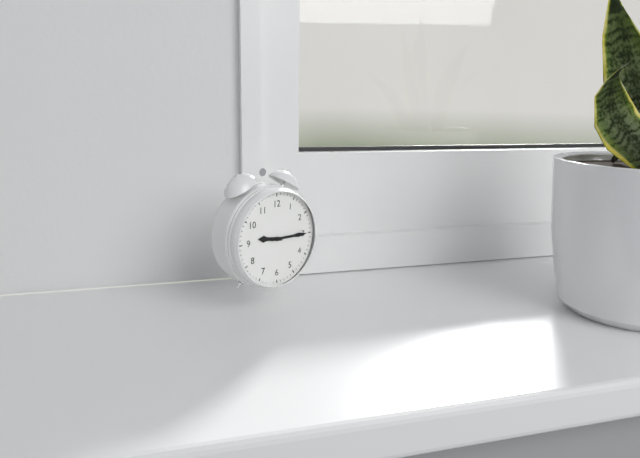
9:15
